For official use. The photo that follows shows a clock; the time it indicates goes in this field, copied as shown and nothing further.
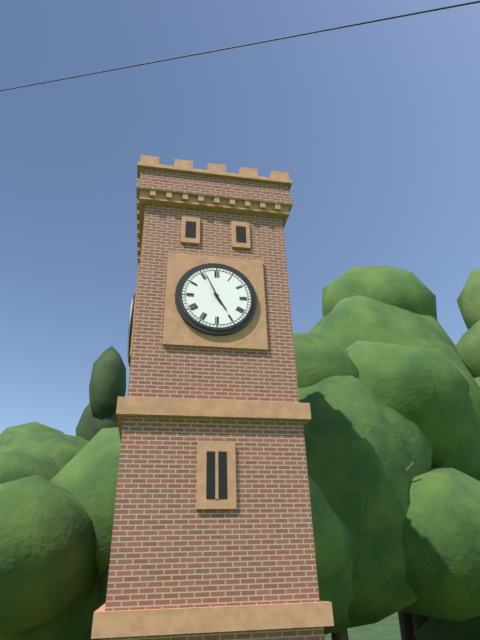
4:56
